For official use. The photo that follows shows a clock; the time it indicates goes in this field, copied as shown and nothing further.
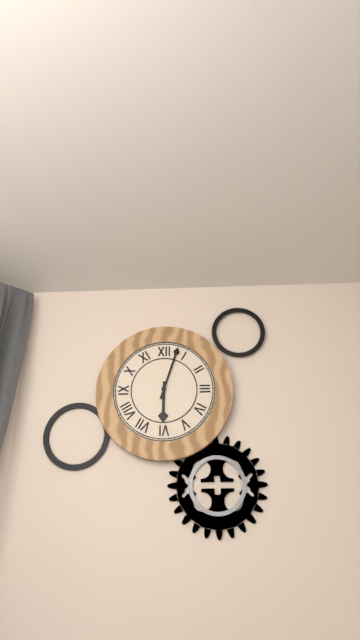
6:03
